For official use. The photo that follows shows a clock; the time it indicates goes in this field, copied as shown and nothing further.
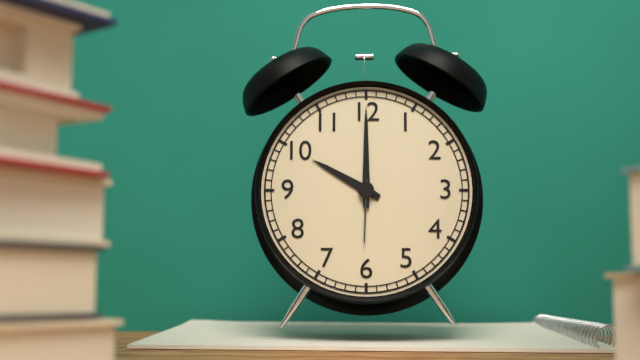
10:00
